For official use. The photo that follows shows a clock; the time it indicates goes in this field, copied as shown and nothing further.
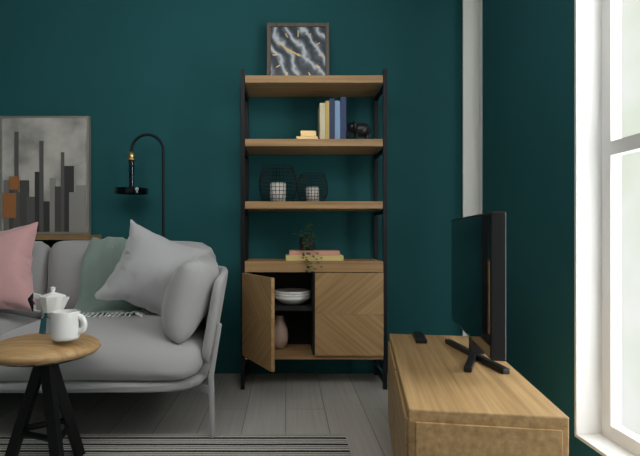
9:50
